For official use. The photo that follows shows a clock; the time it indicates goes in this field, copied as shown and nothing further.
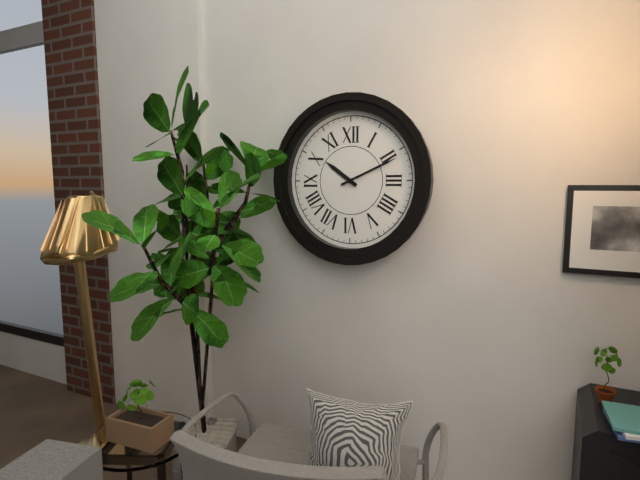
10:11
